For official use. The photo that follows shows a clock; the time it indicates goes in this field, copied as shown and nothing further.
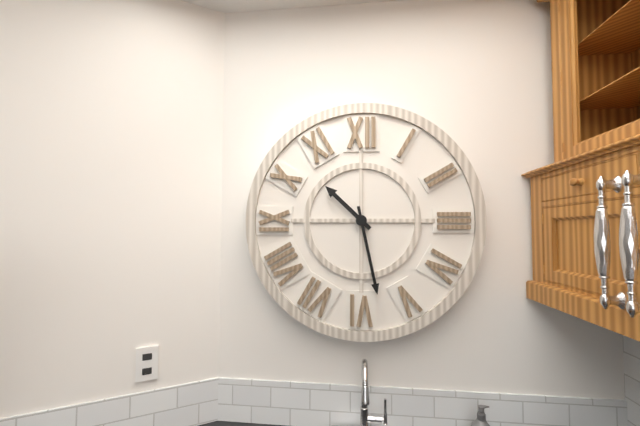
10:28
